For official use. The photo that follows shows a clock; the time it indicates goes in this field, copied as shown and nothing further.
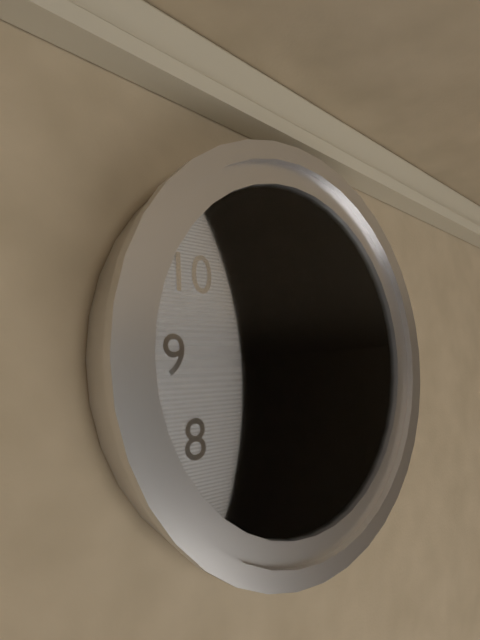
3:24:59
